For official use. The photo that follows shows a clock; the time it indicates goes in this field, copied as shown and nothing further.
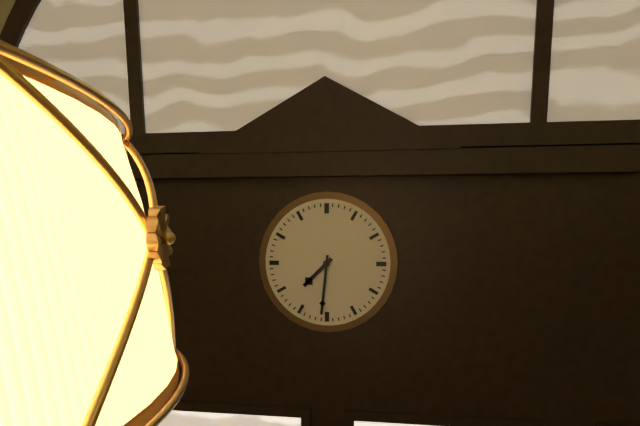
7:31
